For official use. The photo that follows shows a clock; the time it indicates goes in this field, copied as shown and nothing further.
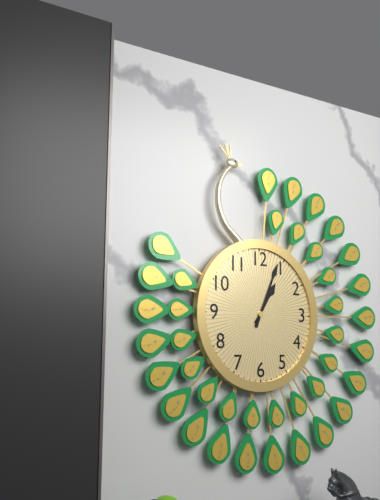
1:04
